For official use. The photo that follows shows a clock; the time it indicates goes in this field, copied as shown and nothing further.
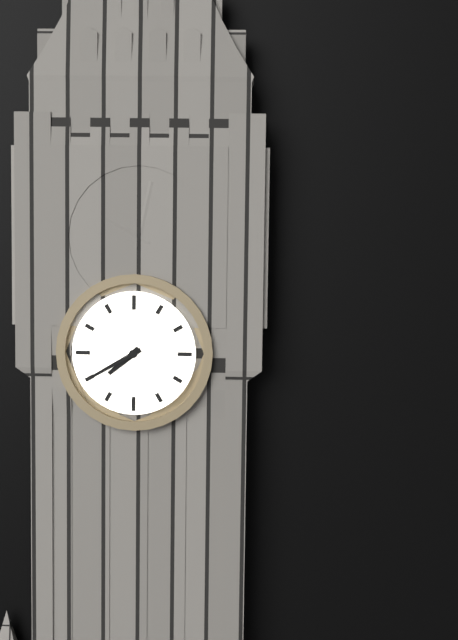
7:40
